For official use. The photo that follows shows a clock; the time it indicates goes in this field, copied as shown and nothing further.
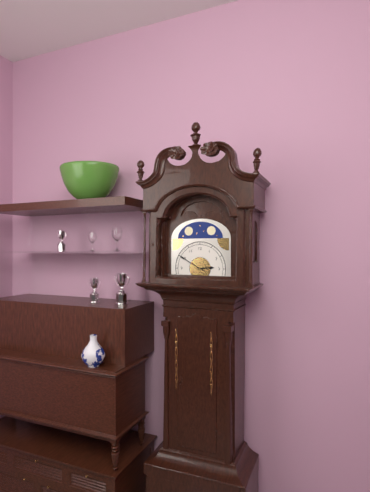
2:50
